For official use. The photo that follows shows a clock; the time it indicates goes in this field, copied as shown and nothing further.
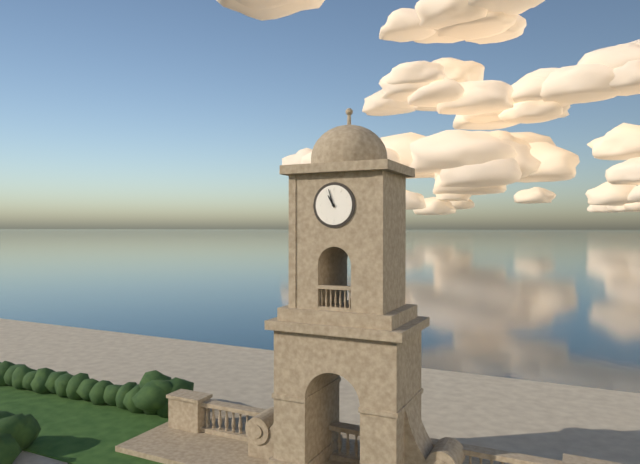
10:57
